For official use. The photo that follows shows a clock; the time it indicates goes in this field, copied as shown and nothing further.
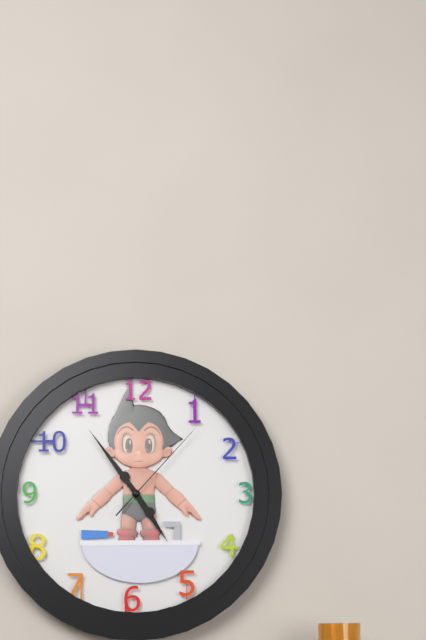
4:54:07
